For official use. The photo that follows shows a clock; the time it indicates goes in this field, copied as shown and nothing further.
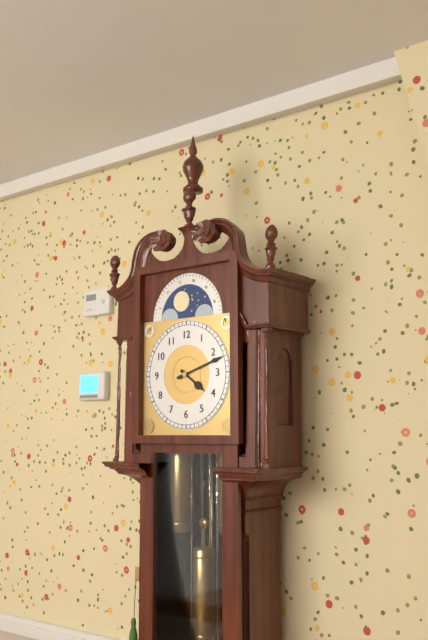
4:12
